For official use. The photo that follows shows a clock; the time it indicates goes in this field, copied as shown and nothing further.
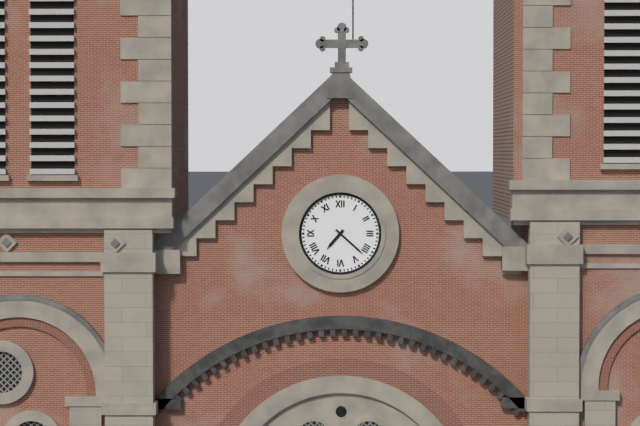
7:22
